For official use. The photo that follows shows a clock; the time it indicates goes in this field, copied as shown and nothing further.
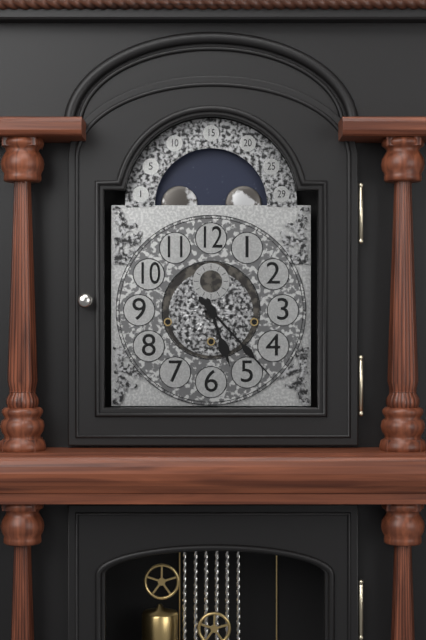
5:23
